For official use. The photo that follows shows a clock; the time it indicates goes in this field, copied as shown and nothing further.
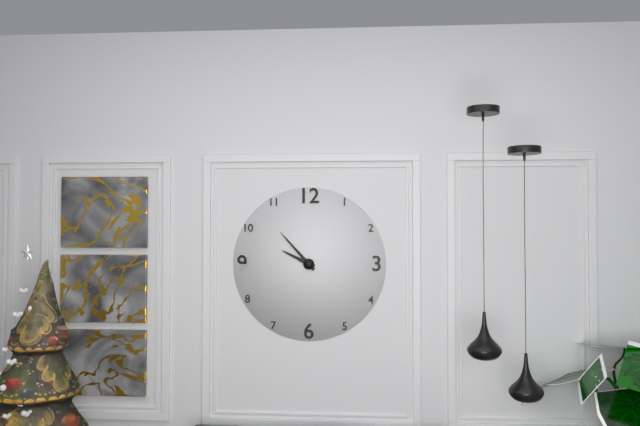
9:53
